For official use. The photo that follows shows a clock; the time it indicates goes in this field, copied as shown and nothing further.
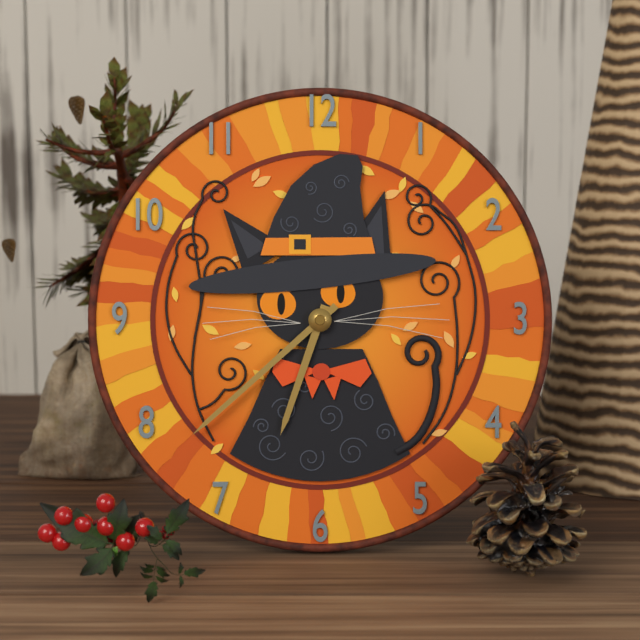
6:38
